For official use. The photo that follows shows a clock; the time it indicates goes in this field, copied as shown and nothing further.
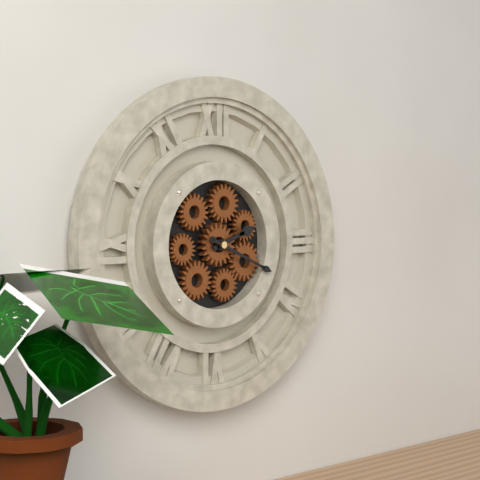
2:19
